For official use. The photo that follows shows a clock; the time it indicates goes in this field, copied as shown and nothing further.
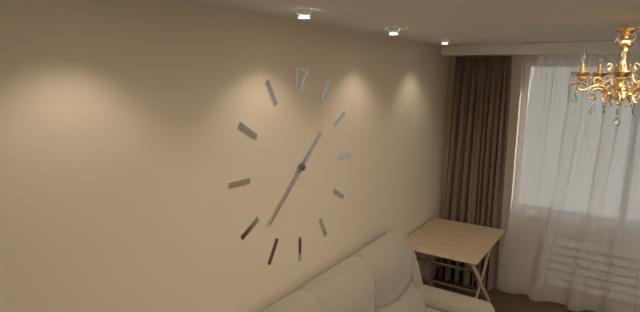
1:38
